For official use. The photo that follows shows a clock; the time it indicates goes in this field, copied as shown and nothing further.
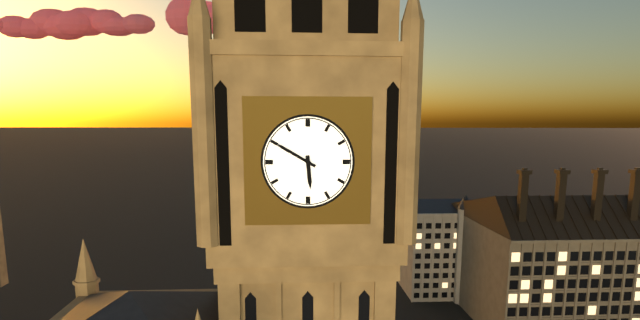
5:50
